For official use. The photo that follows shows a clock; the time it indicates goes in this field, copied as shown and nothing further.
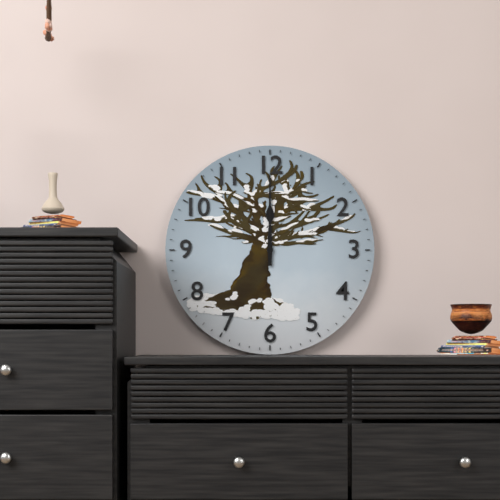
12:00
